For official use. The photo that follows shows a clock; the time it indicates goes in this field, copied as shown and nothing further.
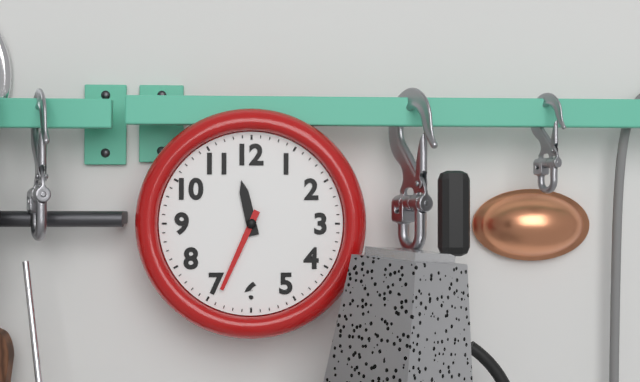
11:34
